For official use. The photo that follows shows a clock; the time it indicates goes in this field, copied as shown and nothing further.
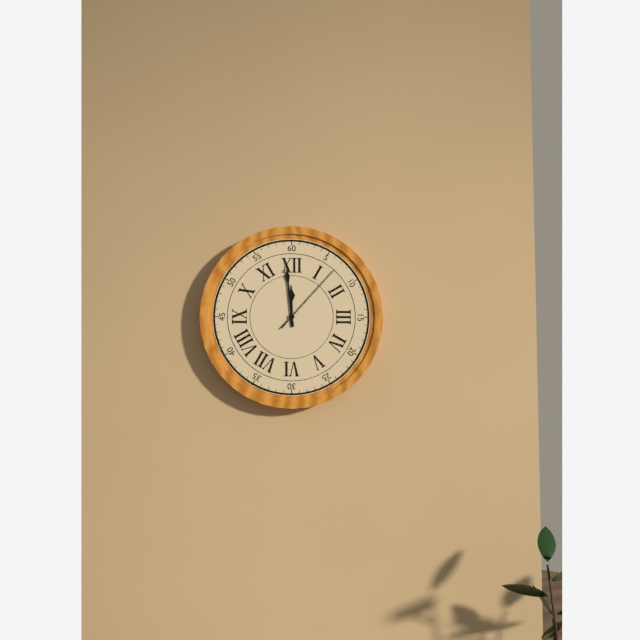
11:59:07
